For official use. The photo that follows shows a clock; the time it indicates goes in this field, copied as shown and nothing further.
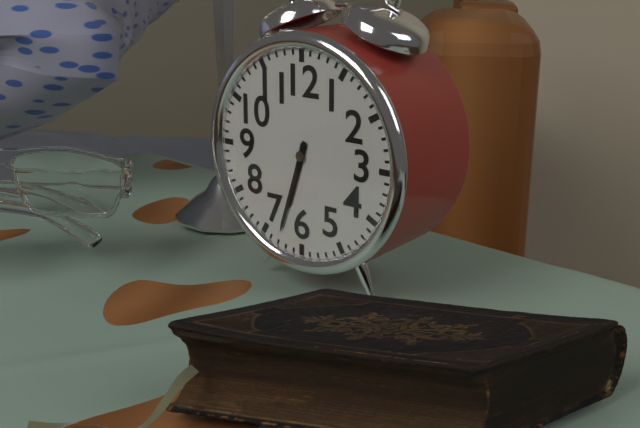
6:33
